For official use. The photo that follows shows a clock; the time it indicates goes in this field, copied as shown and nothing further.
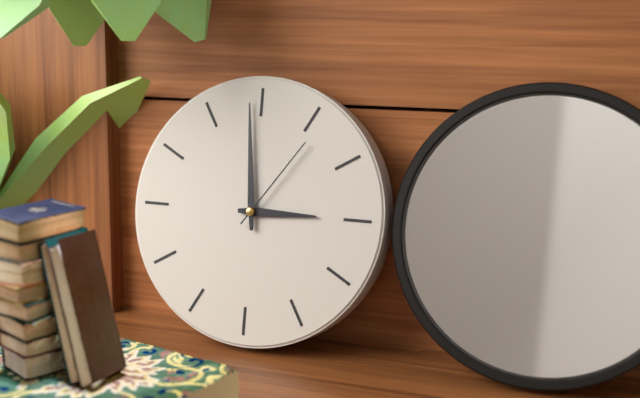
2:59:06
